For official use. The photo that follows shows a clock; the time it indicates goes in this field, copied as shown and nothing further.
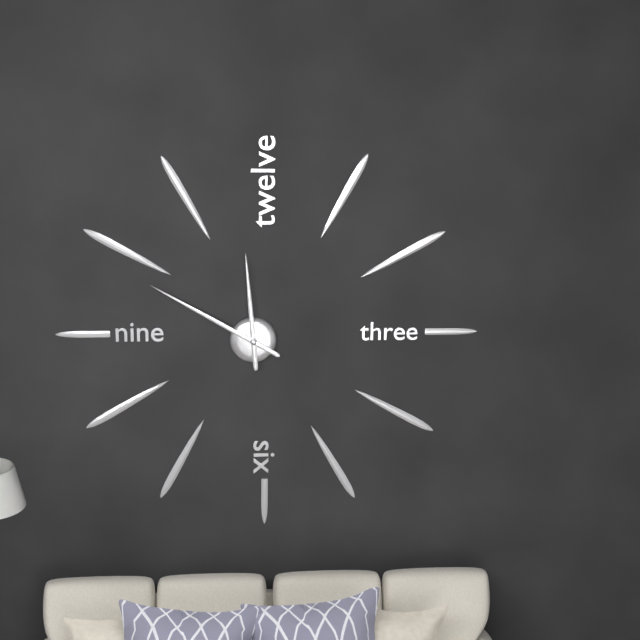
11:50
